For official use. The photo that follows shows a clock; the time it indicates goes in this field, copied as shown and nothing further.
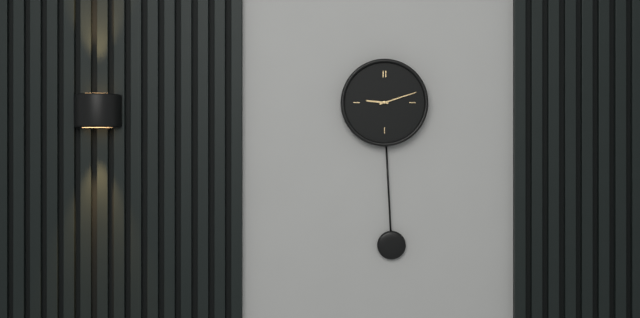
9:12
